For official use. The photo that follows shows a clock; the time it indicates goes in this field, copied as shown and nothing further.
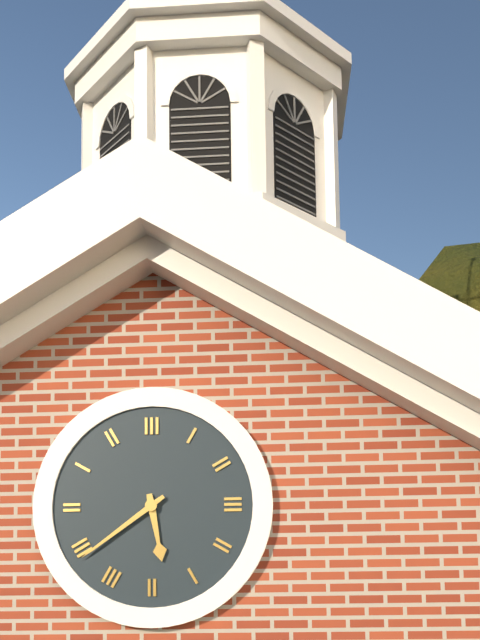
5:39
